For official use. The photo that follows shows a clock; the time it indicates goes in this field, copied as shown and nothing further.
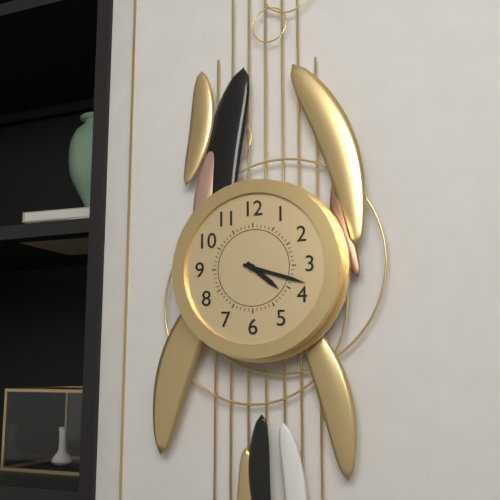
4:18
